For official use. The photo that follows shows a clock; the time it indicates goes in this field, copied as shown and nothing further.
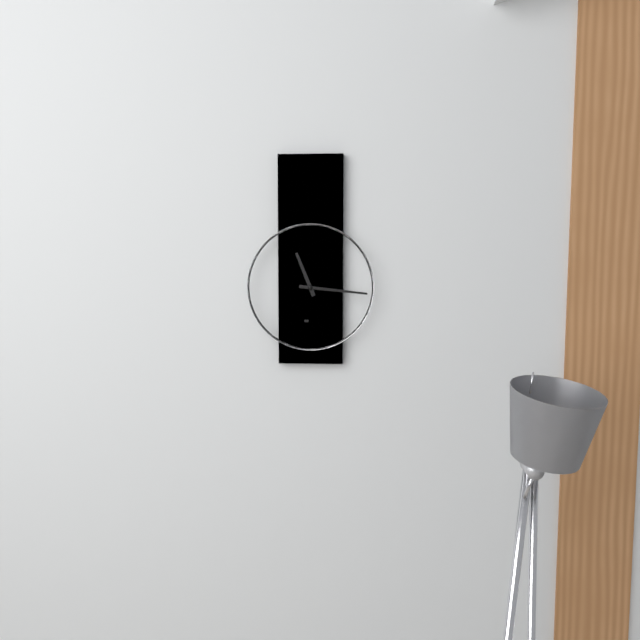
11:16
